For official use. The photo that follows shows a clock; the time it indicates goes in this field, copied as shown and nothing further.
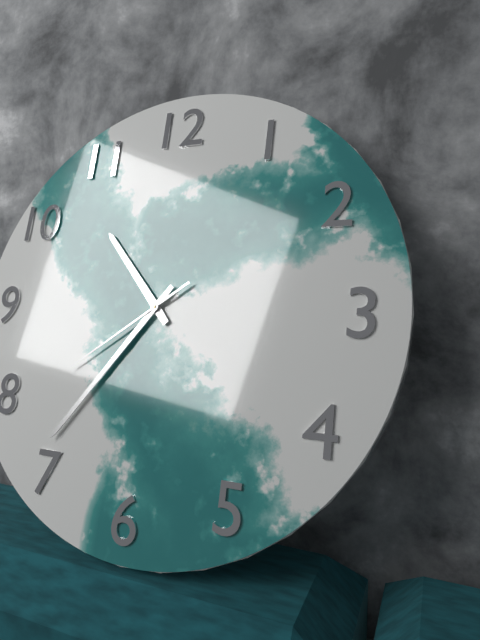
10:36:39
